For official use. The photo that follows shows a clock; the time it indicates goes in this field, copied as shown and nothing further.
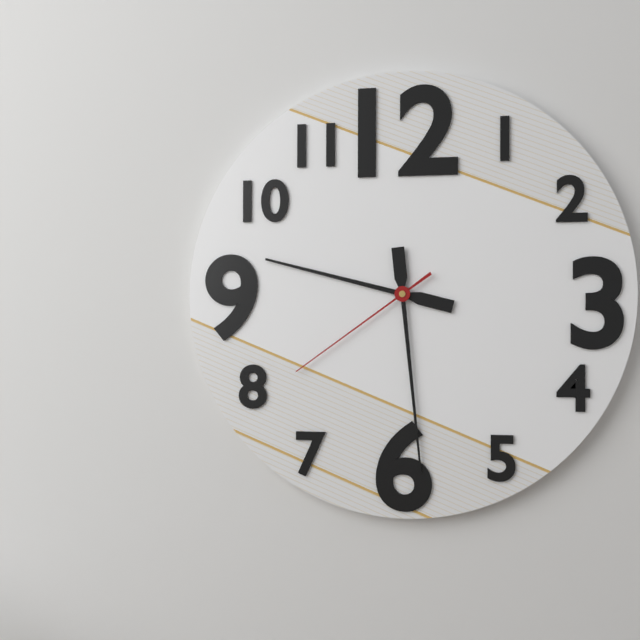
9:29:39
